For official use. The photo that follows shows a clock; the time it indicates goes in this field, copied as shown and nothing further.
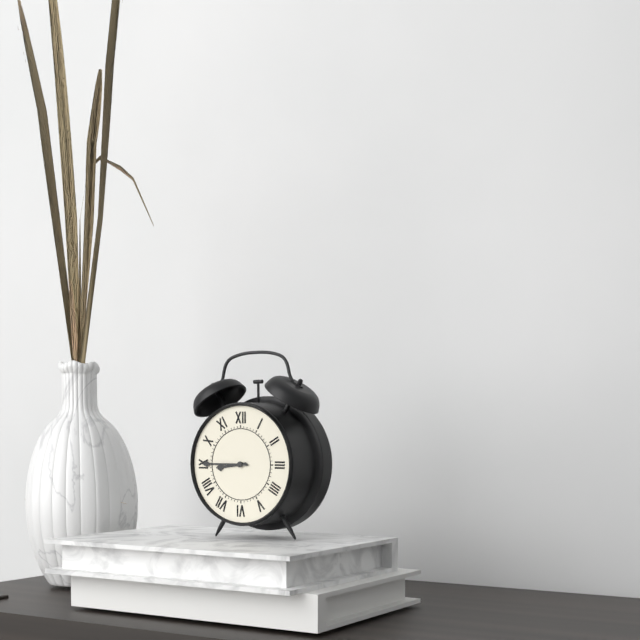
8:45
